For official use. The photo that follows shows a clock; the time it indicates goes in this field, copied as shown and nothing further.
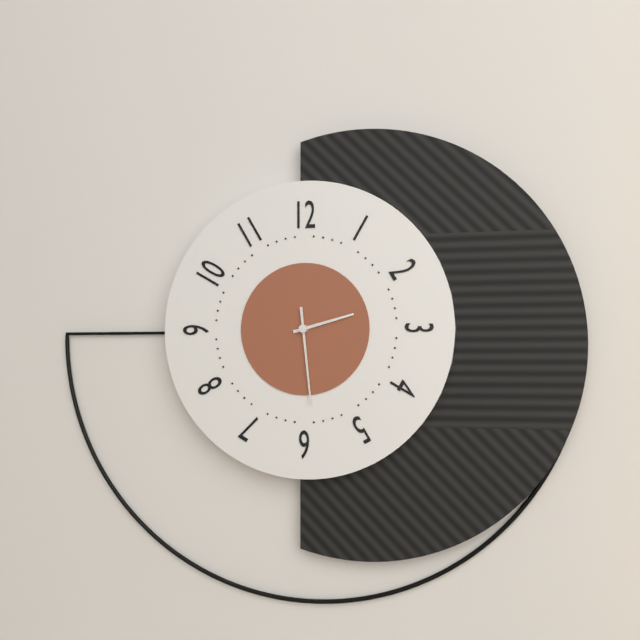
2:29
